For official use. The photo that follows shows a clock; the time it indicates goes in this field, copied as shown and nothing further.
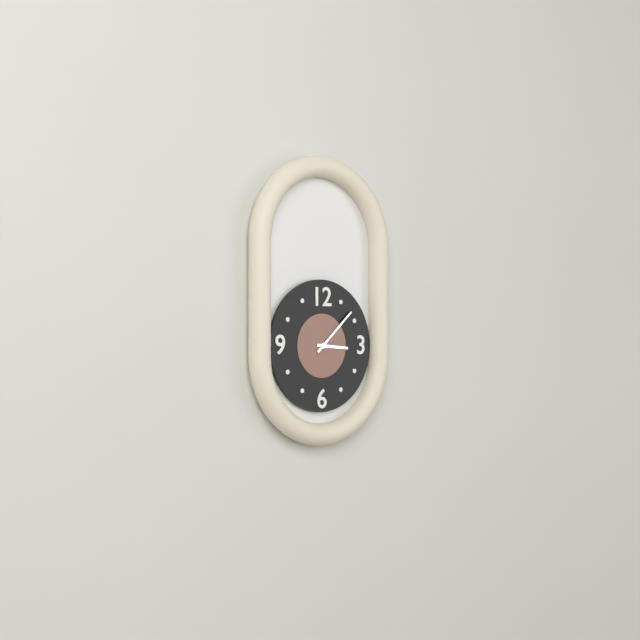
3:08
